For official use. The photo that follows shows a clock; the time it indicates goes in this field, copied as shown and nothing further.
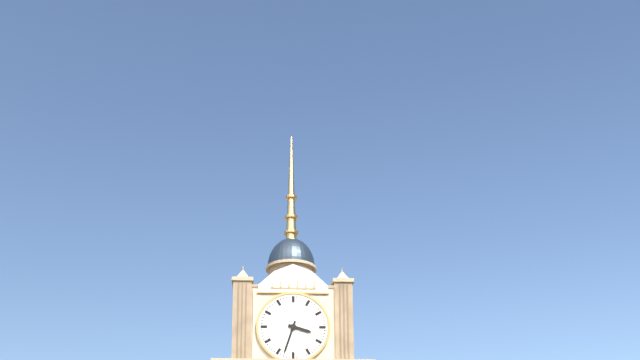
3:33
